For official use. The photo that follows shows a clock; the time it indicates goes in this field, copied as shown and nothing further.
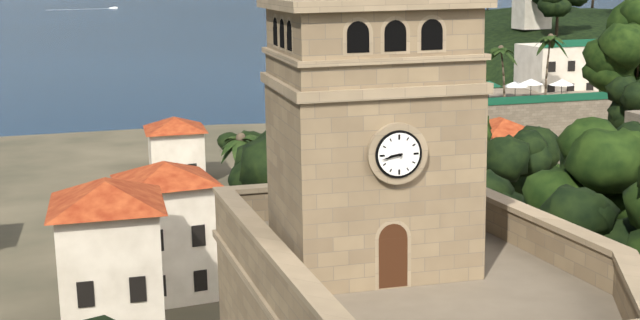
8:43
